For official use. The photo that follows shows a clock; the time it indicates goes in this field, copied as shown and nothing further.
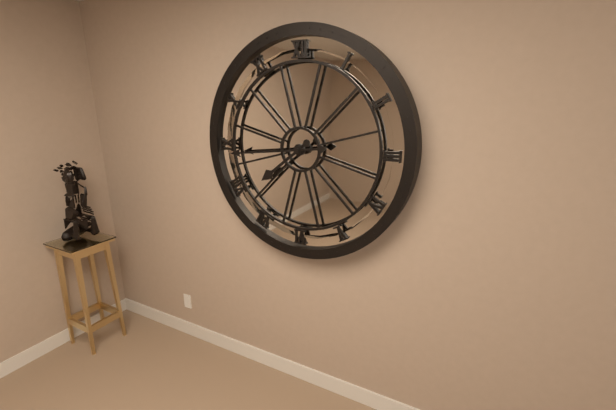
7:44
